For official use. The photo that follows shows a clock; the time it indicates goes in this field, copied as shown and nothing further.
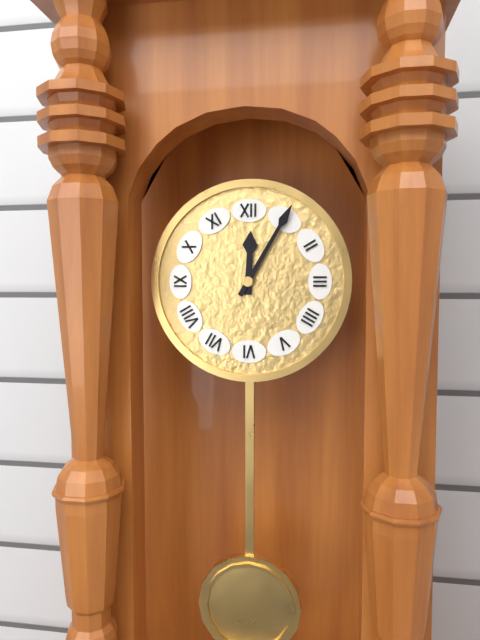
12:05
